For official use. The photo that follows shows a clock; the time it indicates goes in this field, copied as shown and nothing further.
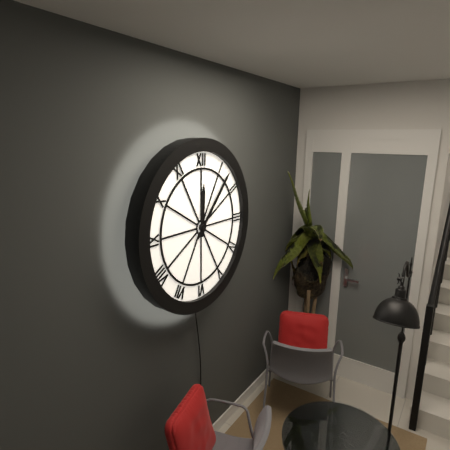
12:07
